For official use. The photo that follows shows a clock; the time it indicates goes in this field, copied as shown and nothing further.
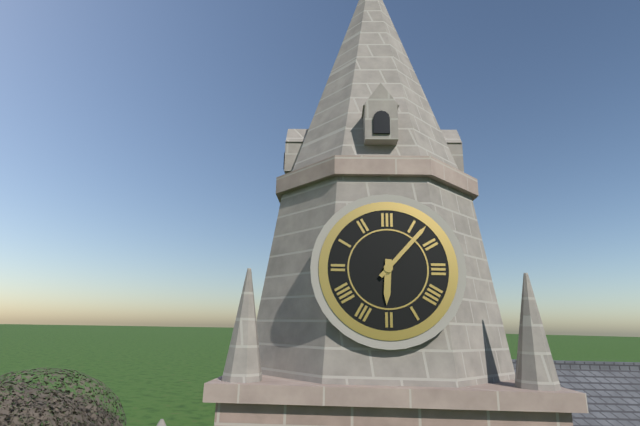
6:07
